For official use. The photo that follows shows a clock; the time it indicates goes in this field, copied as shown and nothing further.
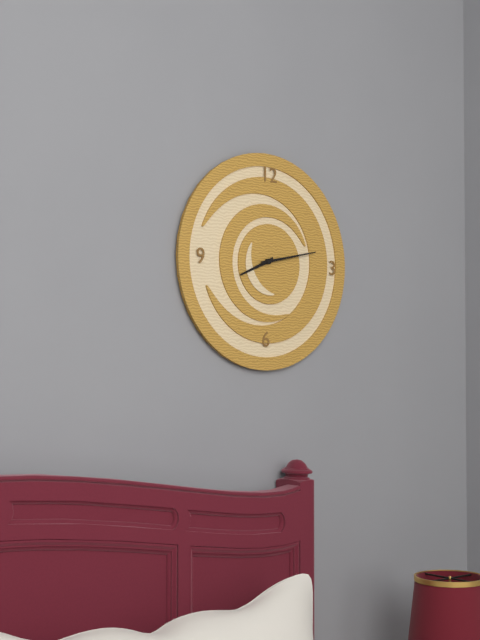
8:13
